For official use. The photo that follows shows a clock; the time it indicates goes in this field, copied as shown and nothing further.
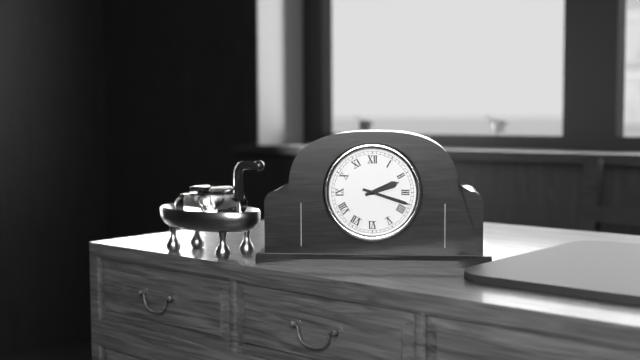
2:18
